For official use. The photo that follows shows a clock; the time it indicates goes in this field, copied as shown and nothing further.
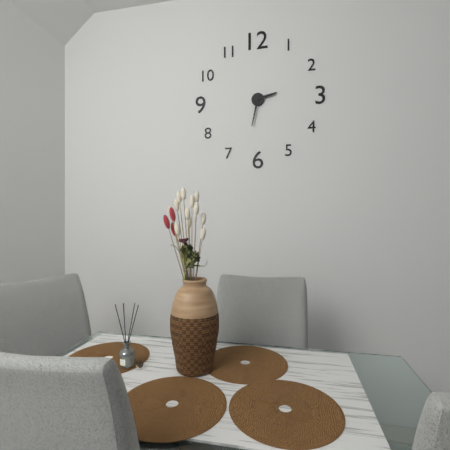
2:32
